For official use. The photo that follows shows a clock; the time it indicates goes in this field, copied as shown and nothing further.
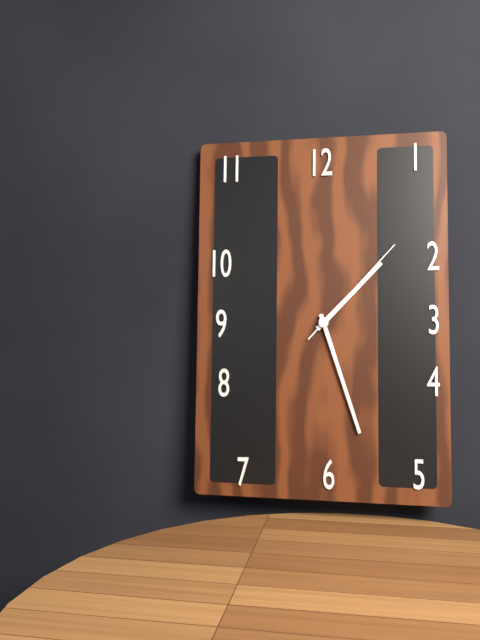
1:27:07
